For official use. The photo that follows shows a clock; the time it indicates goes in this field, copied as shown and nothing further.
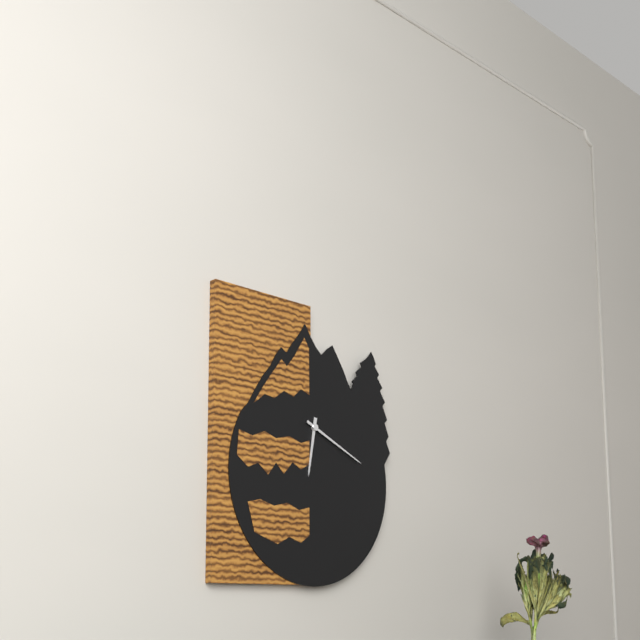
6:19
